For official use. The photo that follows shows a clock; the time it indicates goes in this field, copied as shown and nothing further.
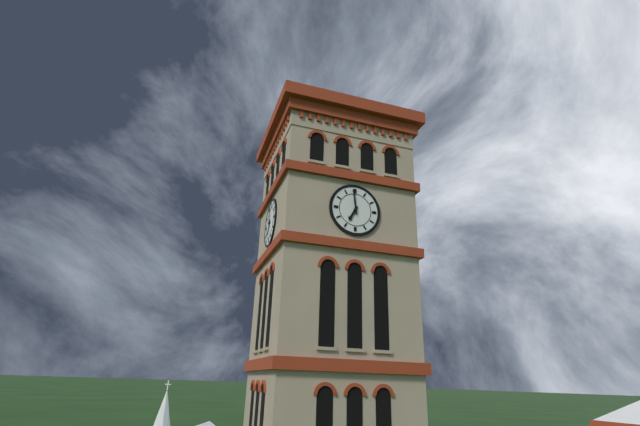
6:59
